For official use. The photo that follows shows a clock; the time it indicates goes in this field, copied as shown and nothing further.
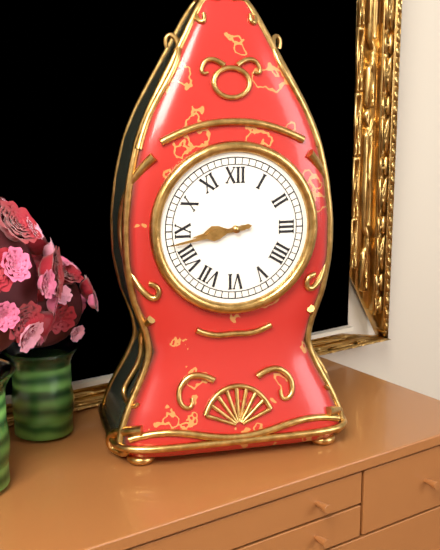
8:43
